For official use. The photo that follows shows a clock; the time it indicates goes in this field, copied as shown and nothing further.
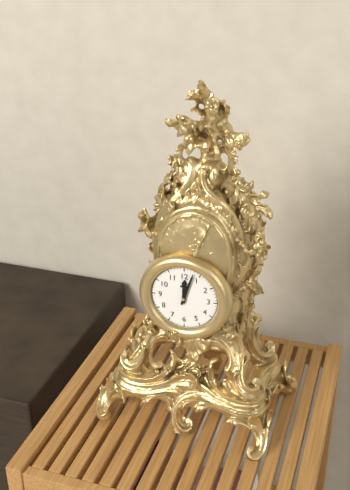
12:03
